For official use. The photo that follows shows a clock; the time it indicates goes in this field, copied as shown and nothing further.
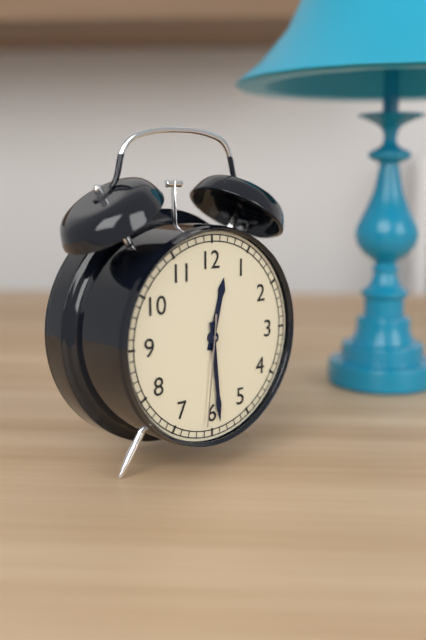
12:29:31
